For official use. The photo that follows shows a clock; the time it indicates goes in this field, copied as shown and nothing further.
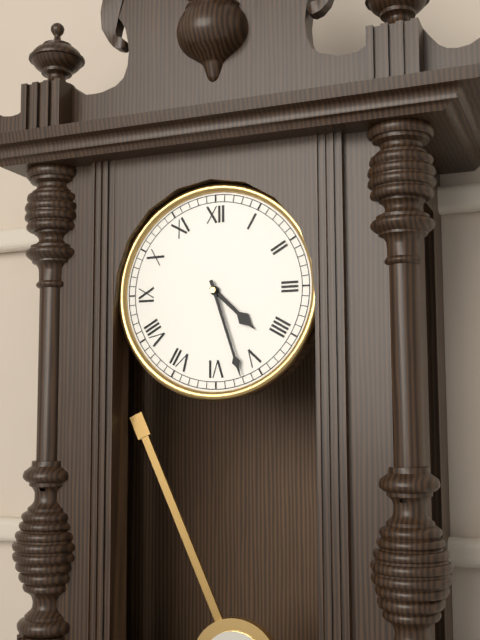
4:27
